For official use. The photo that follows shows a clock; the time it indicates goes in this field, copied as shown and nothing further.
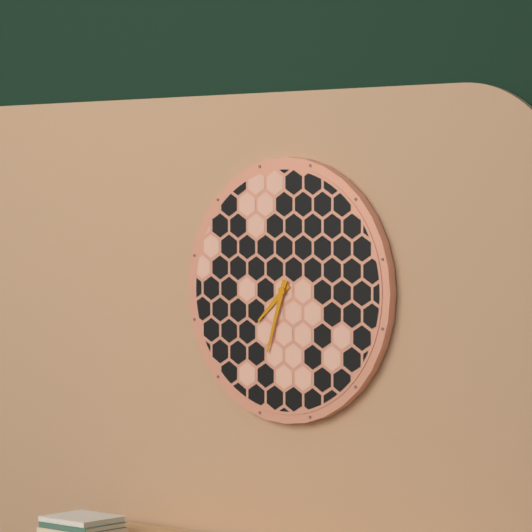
7:33
